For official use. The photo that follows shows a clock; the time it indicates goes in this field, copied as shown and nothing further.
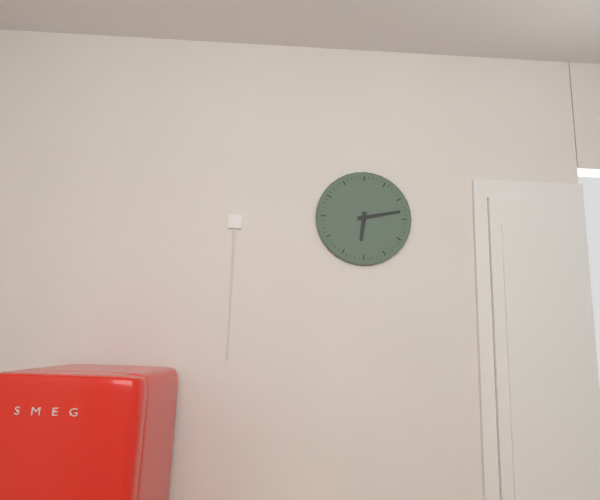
6:13
